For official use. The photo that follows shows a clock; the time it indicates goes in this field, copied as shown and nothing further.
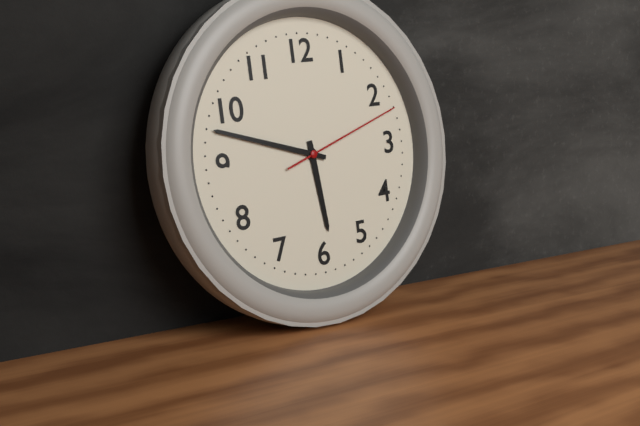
5:48:12
